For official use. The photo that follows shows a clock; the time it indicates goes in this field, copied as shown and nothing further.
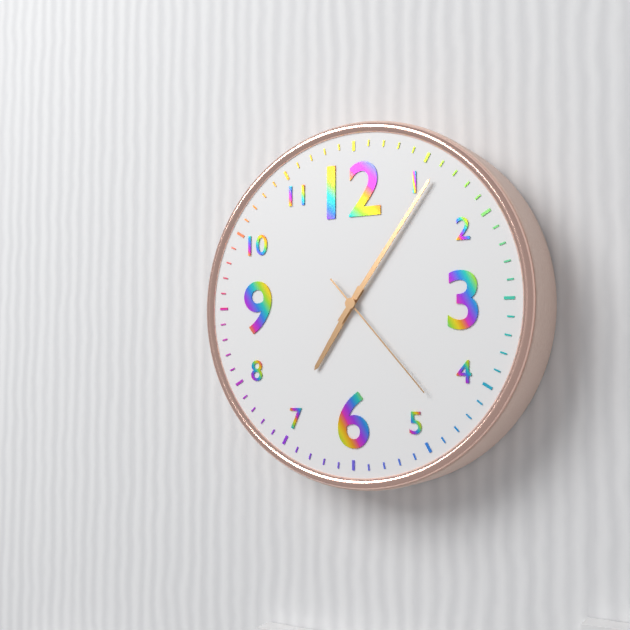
7:06:23
